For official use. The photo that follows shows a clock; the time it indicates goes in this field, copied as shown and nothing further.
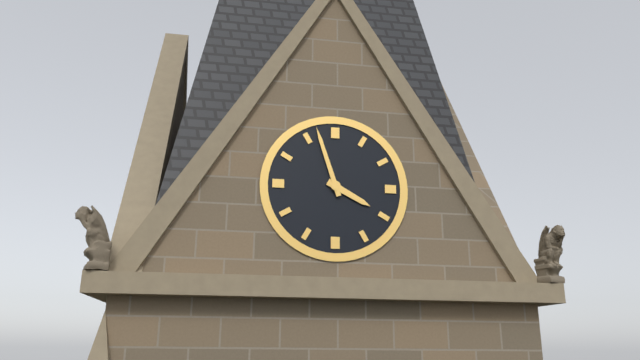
3:57
